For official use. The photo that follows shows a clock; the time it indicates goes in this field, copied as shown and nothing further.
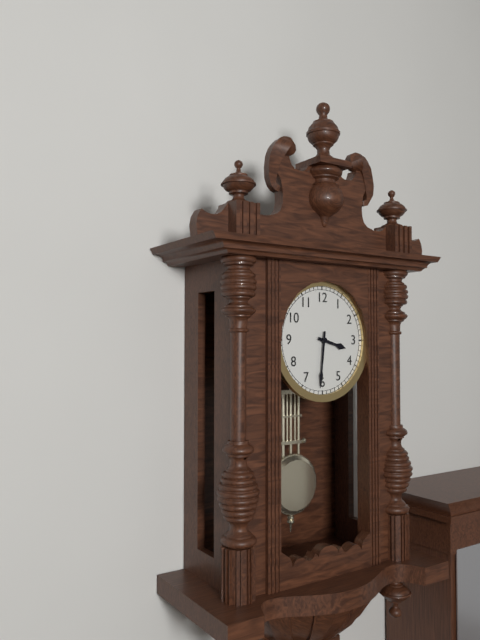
3:31
